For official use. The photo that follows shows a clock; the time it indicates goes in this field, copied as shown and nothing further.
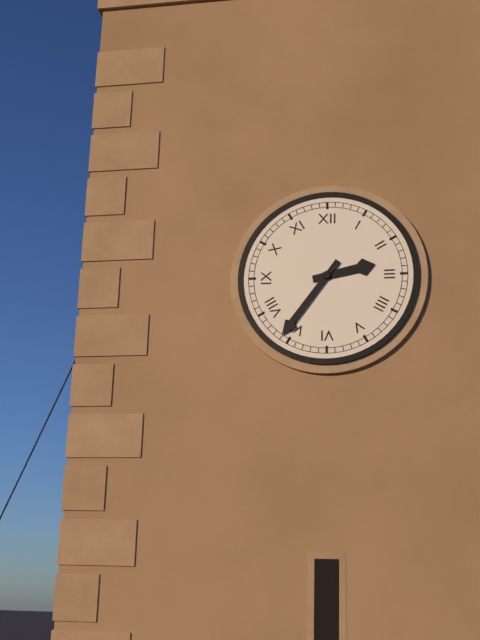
2:36
